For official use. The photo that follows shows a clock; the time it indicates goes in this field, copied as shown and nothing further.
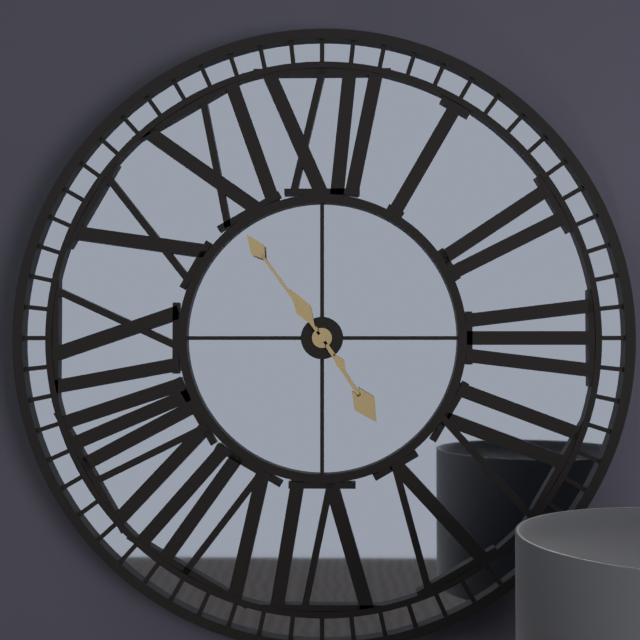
4:54
